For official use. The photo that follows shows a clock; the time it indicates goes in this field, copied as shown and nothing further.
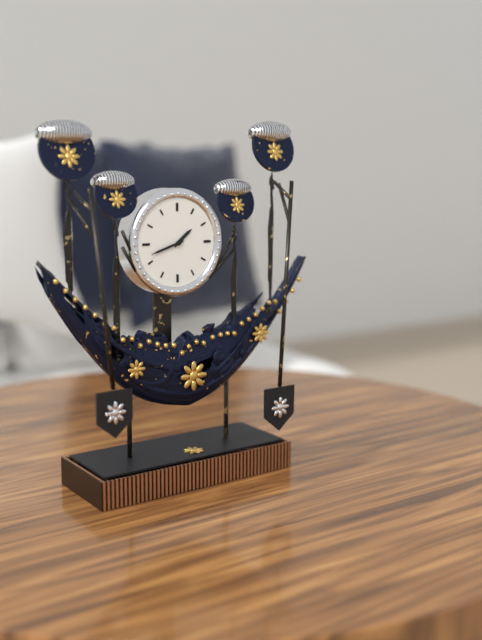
1:42
